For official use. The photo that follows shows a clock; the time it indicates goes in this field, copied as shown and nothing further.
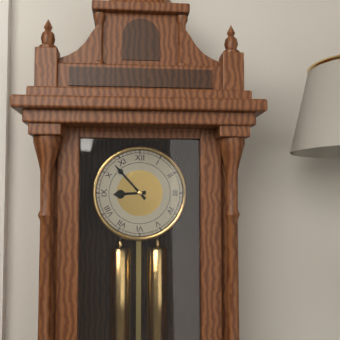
8:53
